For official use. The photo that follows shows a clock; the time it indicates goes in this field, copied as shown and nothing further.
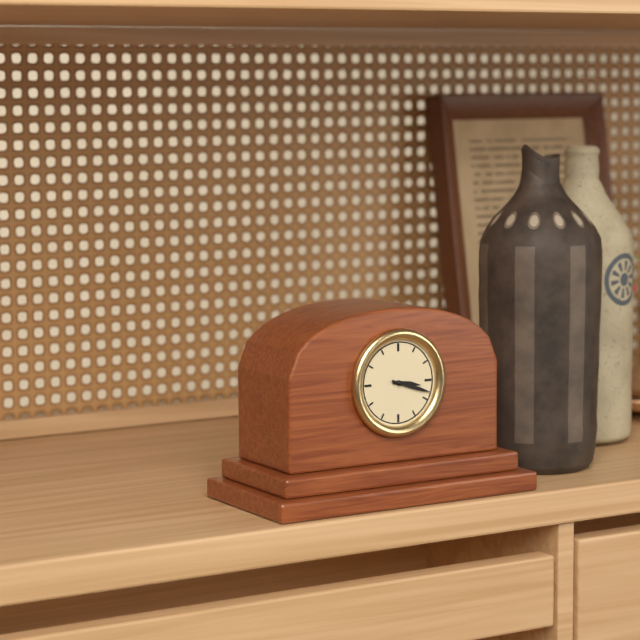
3:18
